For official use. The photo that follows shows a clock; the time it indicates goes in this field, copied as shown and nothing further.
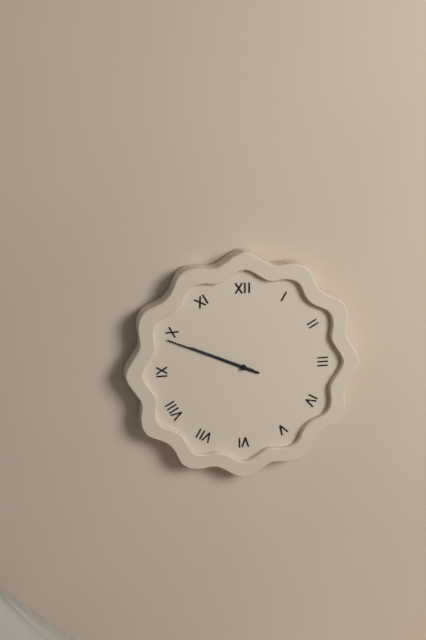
9:49
